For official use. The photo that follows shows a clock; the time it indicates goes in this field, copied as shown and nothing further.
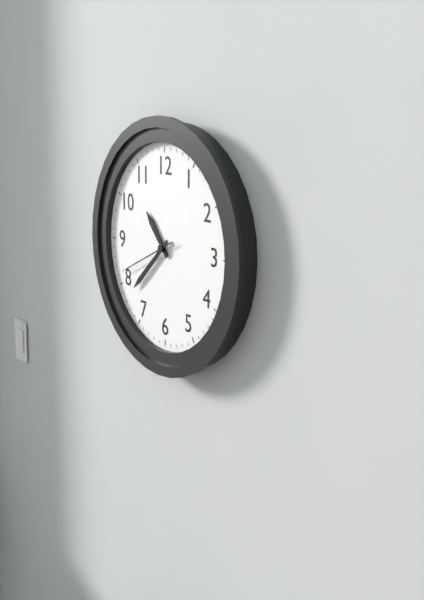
10:38:41
